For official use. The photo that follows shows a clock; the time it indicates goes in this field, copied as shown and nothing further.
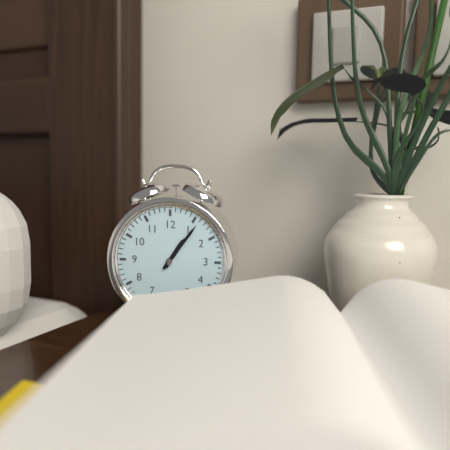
1:06
